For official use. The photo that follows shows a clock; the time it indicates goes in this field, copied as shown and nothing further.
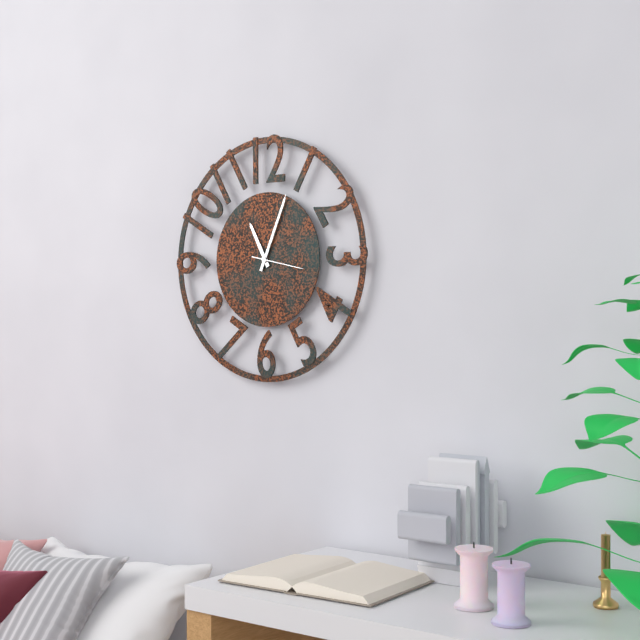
11:04
